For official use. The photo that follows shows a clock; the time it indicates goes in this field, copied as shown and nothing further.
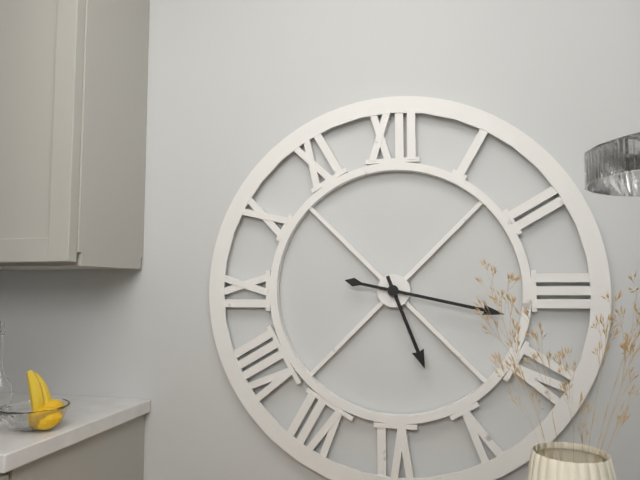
5:17
